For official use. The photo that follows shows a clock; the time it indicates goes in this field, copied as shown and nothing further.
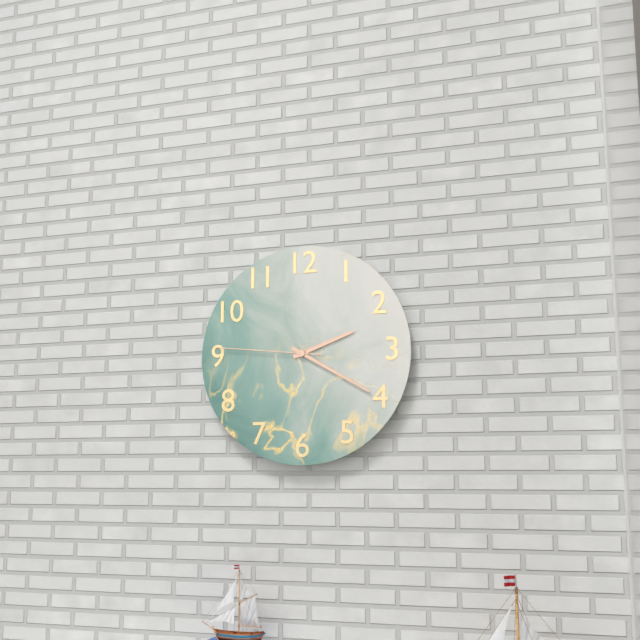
2:20:46
